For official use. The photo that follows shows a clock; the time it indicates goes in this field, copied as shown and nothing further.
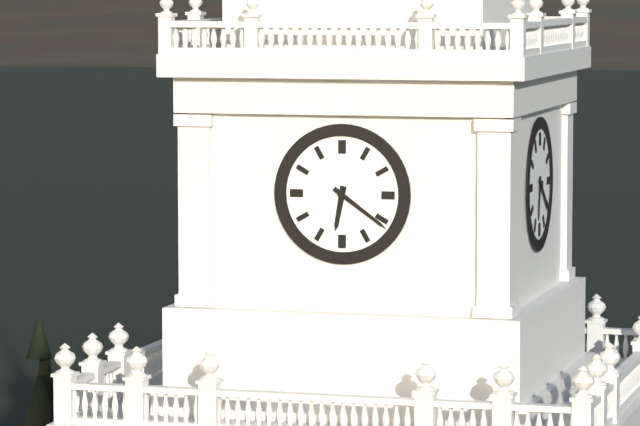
6:21
